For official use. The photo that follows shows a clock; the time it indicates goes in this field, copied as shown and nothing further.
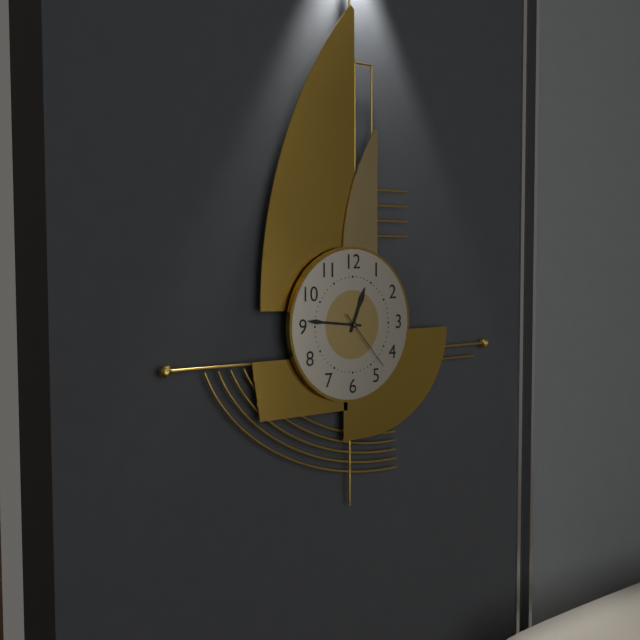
12:46:23
